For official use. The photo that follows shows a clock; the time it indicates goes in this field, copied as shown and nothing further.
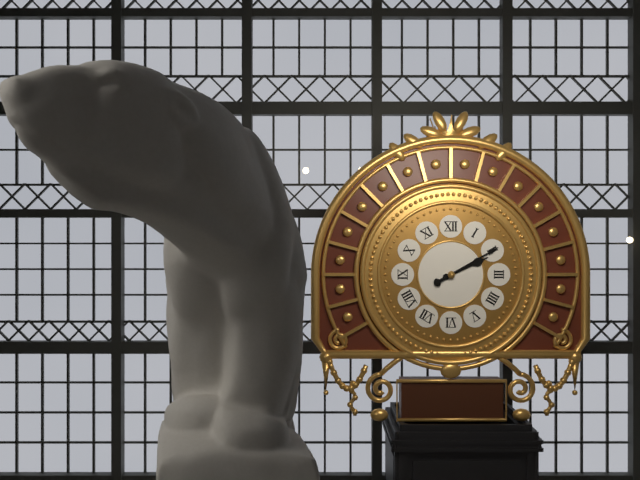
2:10
